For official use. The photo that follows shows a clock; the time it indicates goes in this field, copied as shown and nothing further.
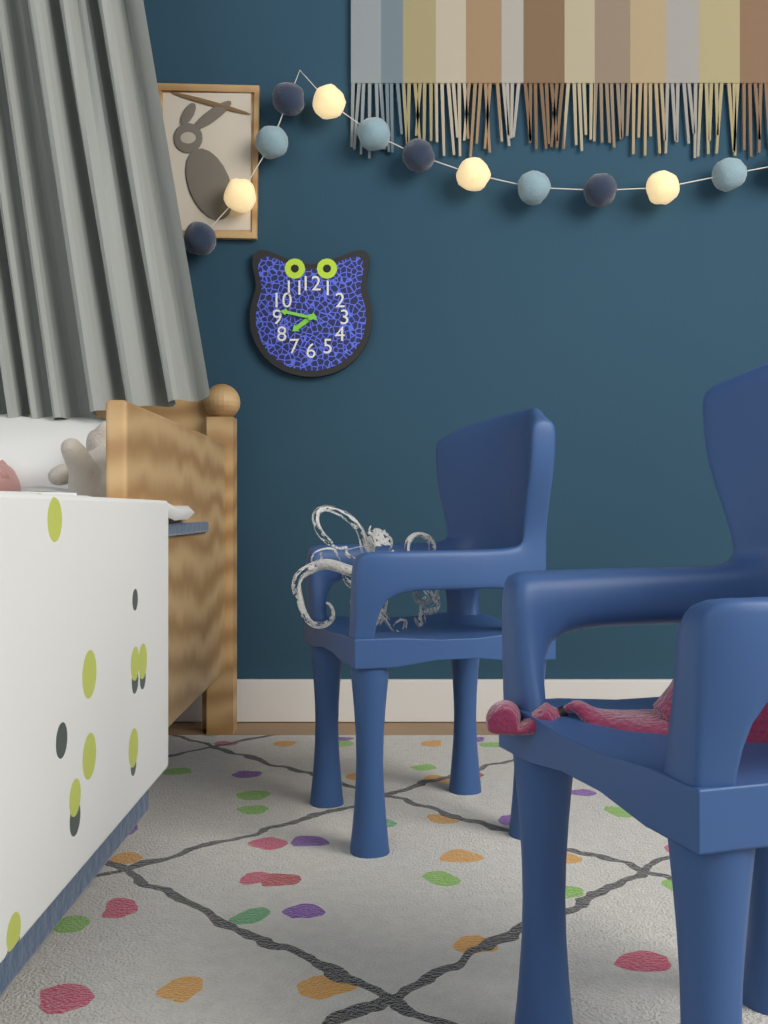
7:47
